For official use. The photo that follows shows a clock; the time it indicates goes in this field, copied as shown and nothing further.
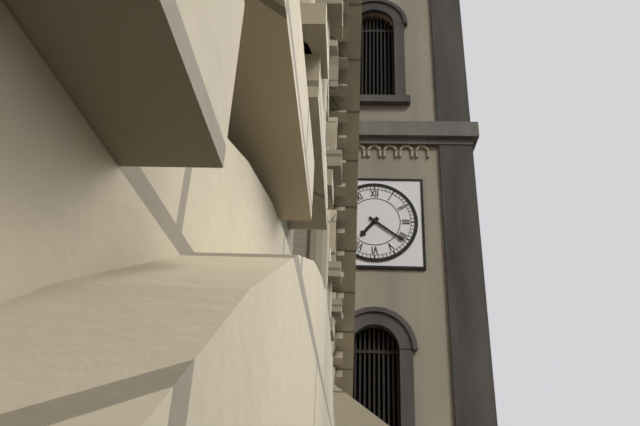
7:21
